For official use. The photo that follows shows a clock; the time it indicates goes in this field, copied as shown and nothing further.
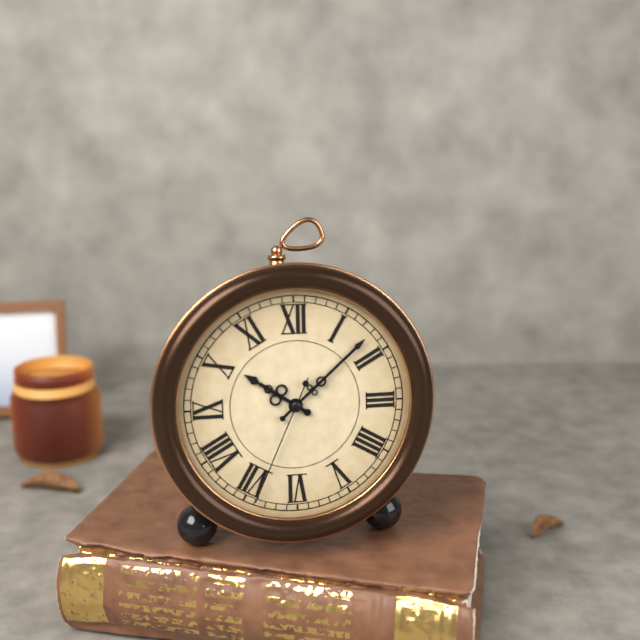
10:08:34
